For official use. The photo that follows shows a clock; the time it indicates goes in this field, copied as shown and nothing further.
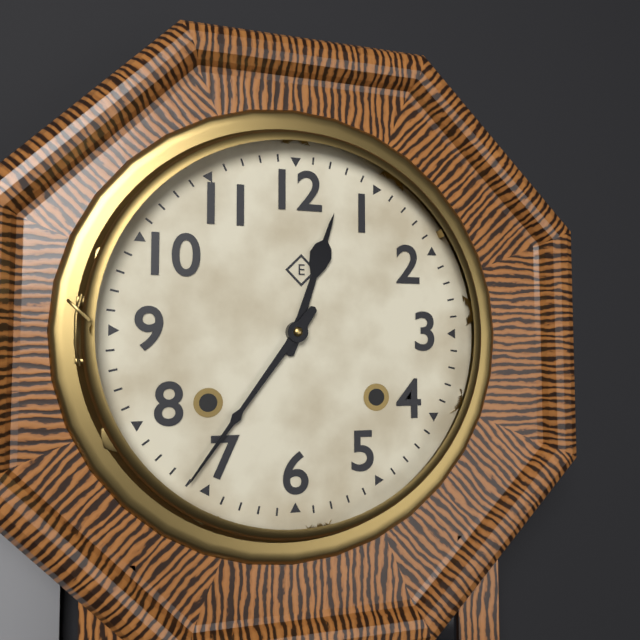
12:36
